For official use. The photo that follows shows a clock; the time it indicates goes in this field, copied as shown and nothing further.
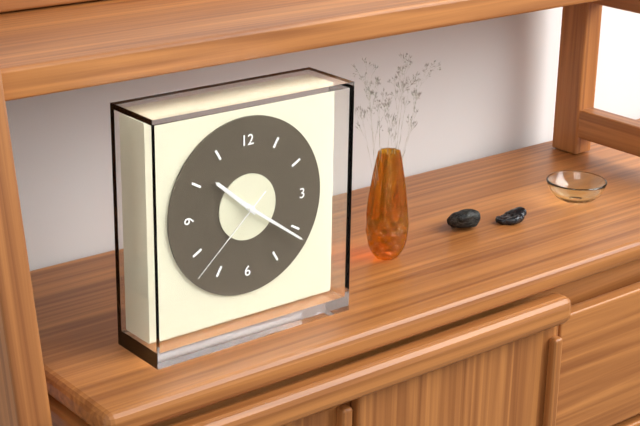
10:21:38
